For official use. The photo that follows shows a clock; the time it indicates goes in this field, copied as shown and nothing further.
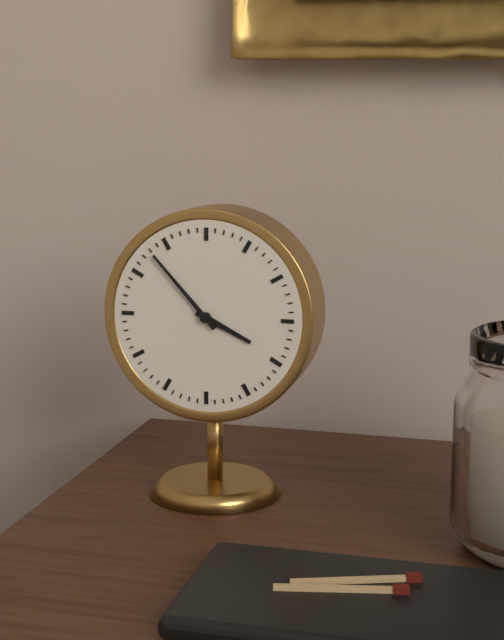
3:53
